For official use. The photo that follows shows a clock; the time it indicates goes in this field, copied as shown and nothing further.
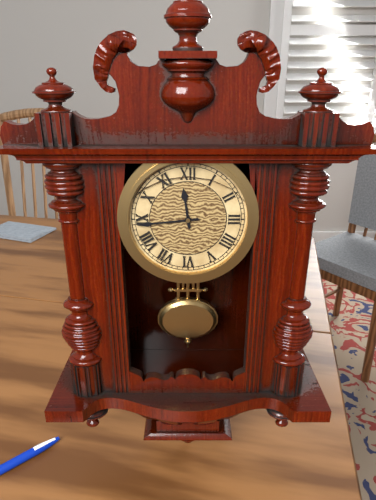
11:44
